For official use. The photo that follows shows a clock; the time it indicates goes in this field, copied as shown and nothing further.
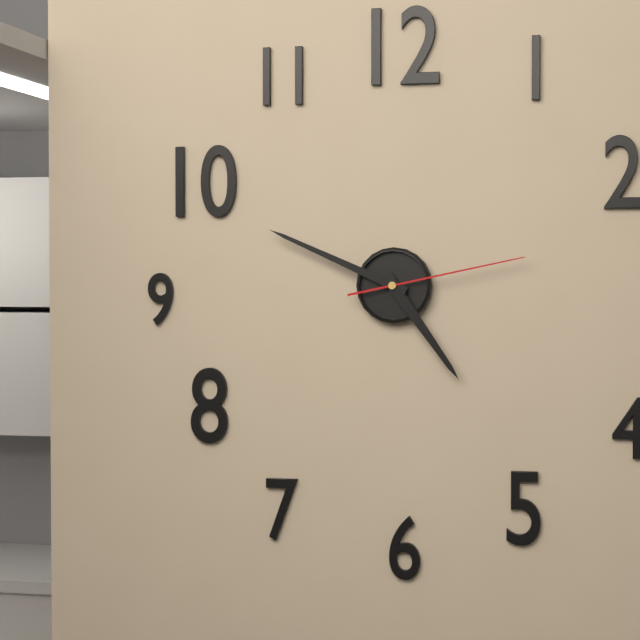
4:49:13
